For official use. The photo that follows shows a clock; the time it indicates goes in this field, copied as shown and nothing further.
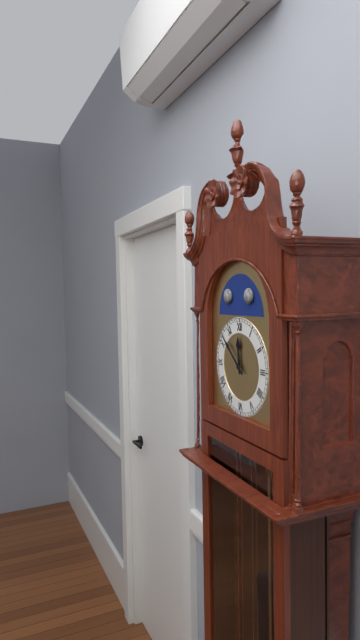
11:52
